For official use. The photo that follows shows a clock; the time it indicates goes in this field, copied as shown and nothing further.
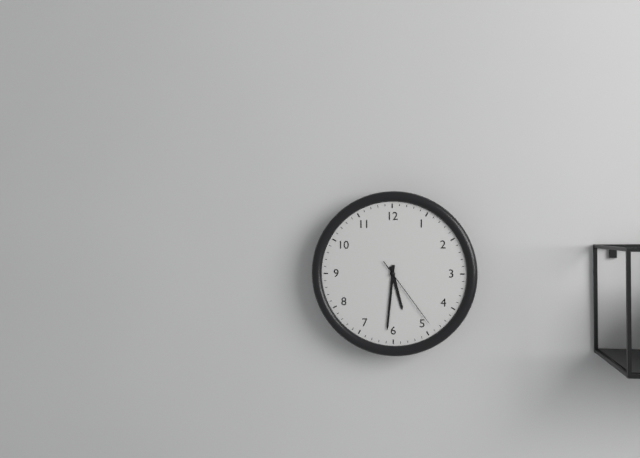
5:31:24
